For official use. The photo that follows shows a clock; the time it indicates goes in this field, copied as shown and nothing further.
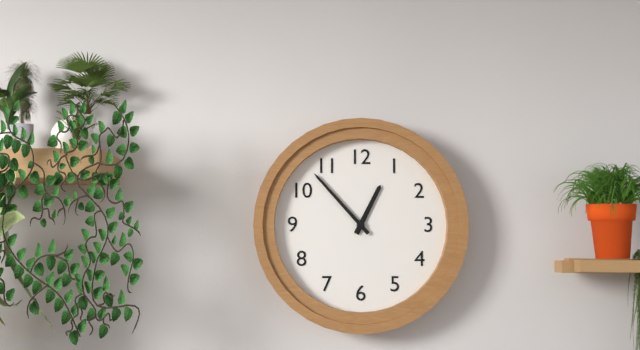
12:53
